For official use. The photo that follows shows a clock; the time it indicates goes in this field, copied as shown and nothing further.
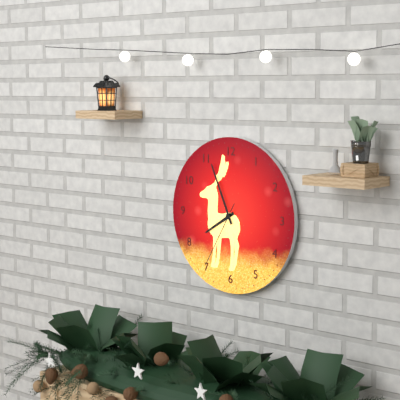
7:56:35
